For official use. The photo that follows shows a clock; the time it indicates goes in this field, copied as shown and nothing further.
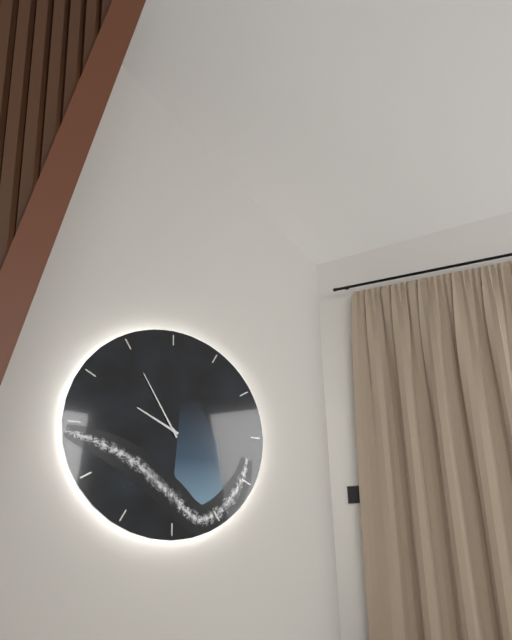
9:55
